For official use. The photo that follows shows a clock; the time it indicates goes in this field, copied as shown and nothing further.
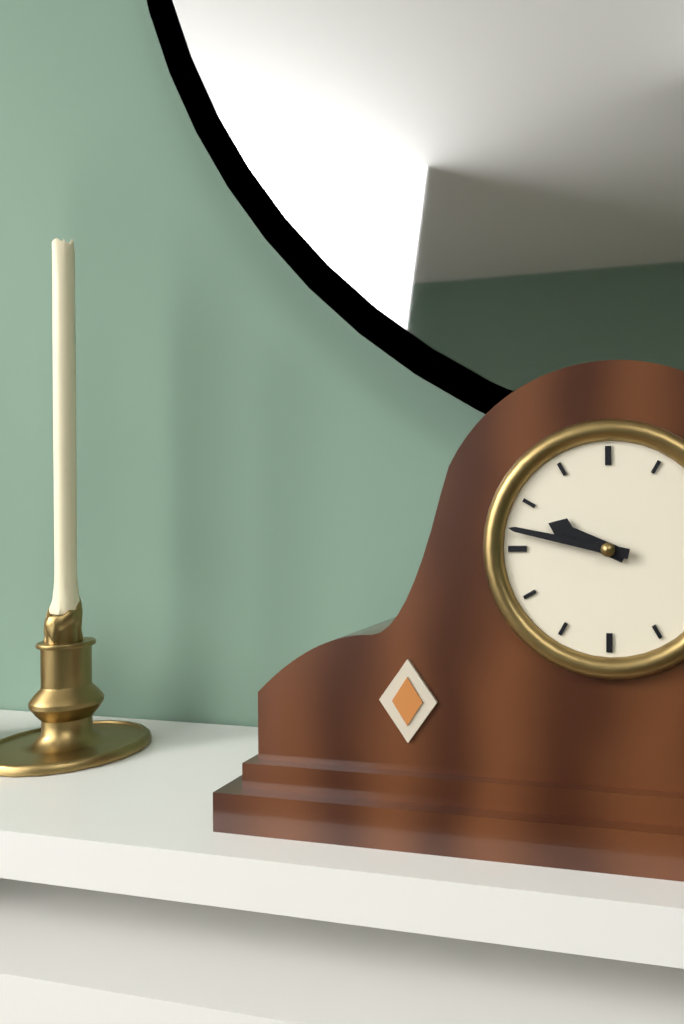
9:47
